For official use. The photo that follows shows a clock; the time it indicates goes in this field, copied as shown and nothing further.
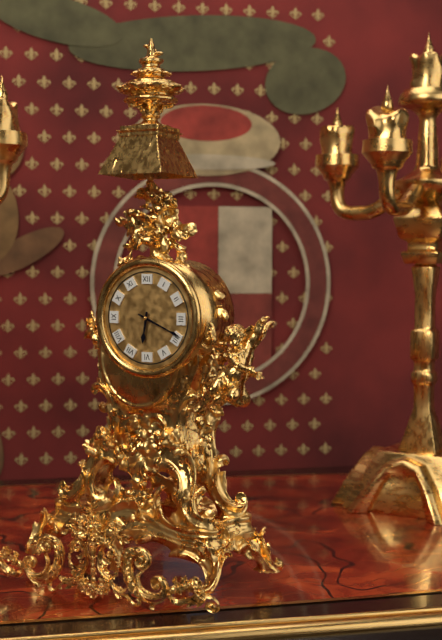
6:19
